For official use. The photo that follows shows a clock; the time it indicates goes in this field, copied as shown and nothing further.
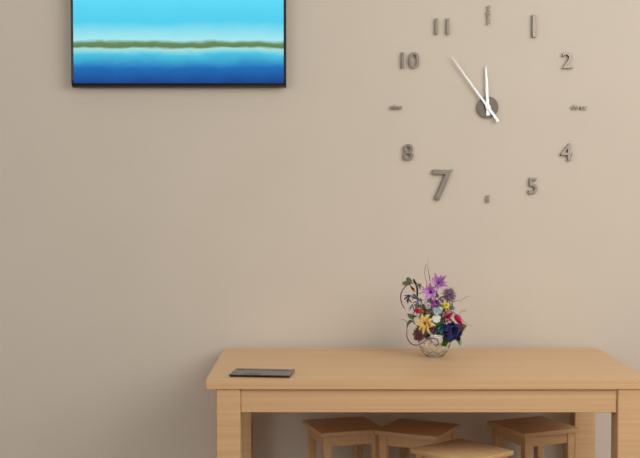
11:54
